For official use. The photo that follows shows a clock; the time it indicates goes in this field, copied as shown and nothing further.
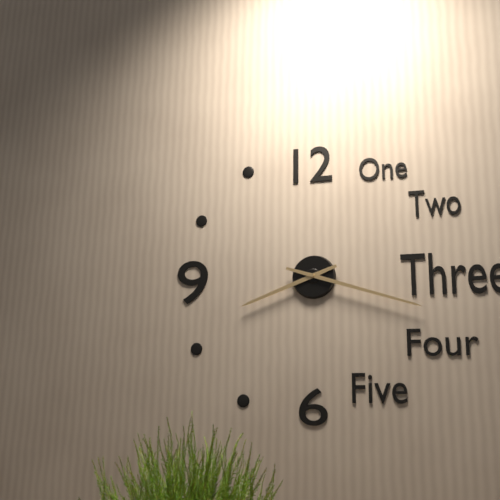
8:18
